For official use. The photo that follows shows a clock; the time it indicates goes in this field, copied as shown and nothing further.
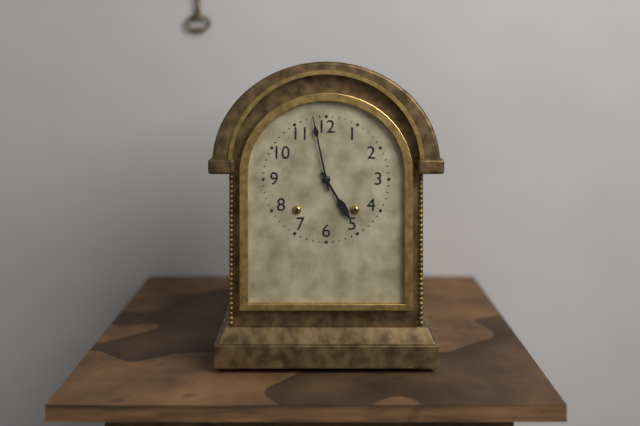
4:58
